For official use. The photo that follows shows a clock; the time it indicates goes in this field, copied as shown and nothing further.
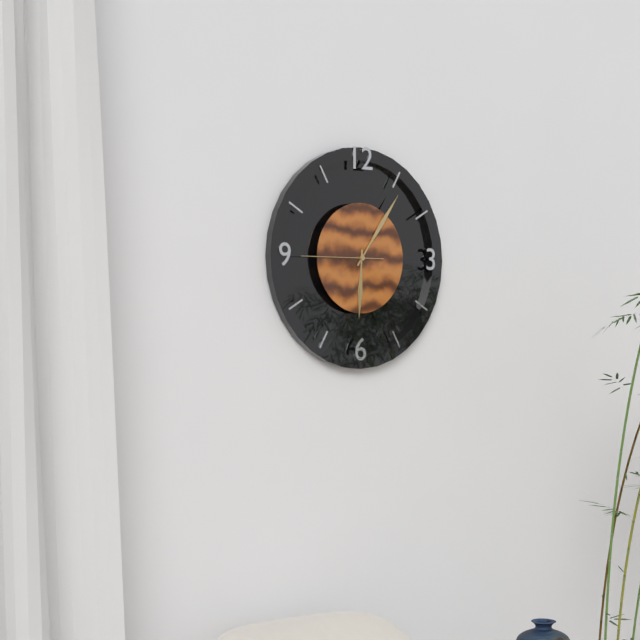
6:06:45
